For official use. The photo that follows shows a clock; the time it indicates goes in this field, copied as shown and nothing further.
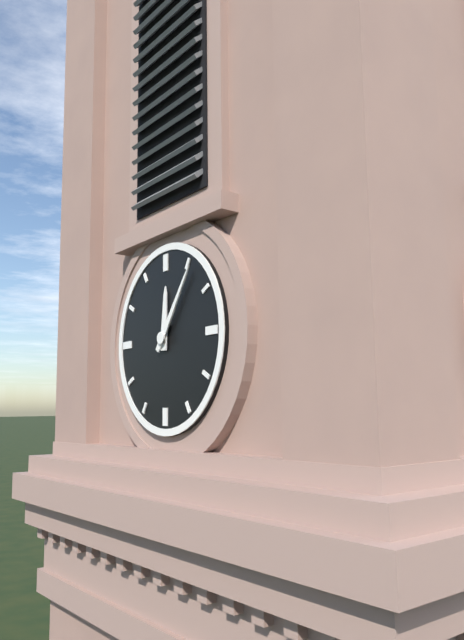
12:06
